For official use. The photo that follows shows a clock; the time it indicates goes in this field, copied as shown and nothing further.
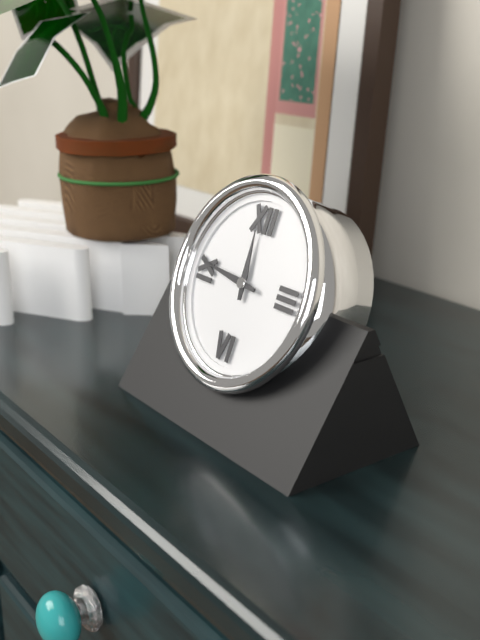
11:46
